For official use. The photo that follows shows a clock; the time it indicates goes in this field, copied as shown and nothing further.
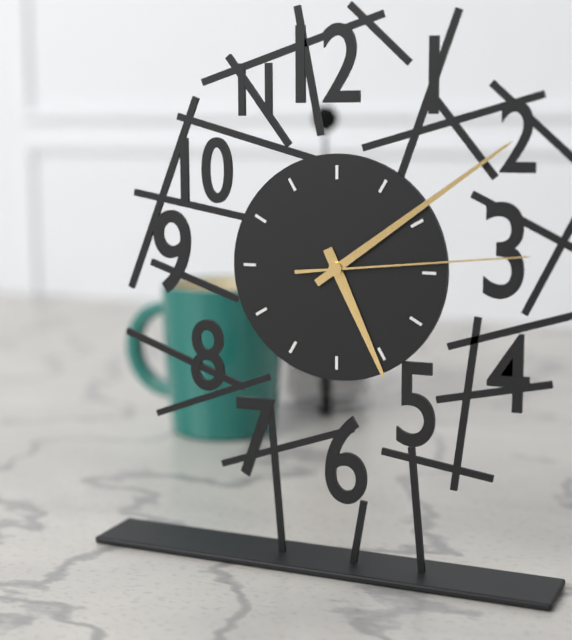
5:09:14
